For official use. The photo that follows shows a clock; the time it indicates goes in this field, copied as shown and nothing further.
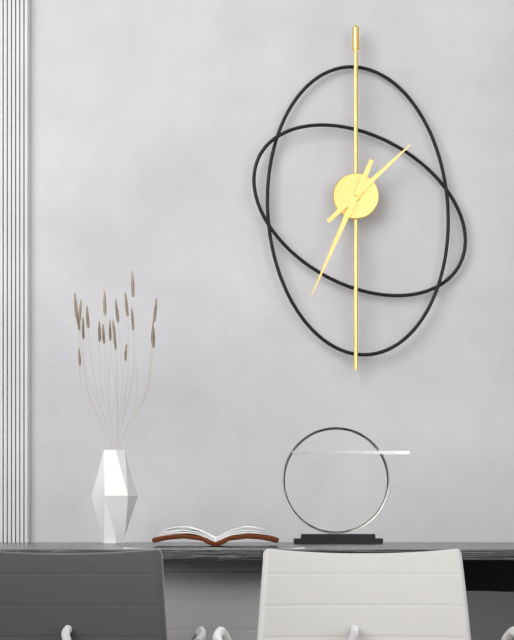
1:34
